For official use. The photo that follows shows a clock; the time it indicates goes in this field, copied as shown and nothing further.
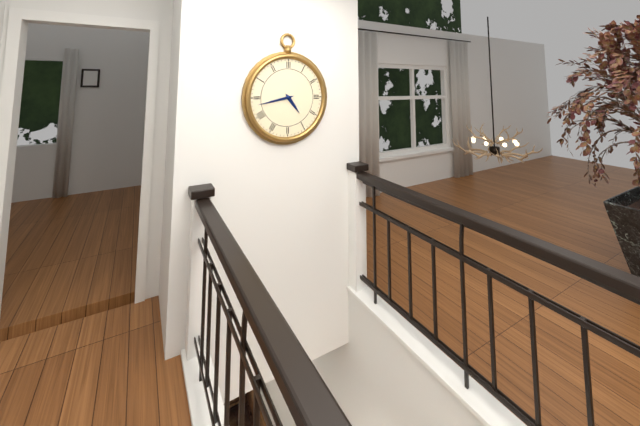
4:43
